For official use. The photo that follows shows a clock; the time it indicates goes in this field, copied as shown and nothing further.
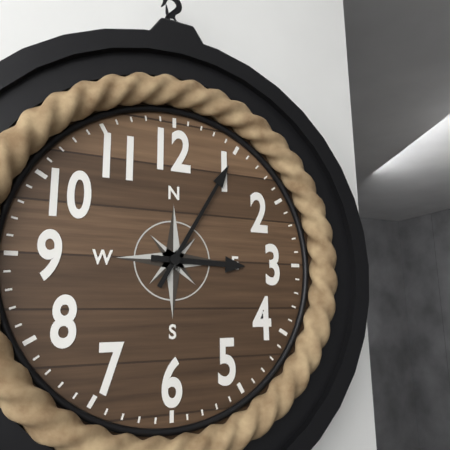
3:05
